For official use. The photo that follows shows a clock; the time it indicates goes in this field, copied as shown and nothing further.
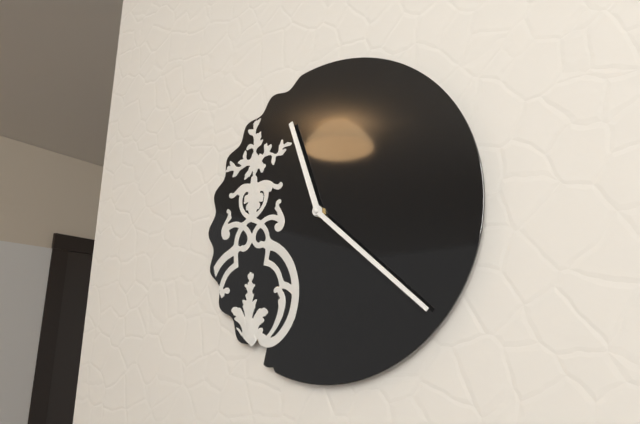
11:22
